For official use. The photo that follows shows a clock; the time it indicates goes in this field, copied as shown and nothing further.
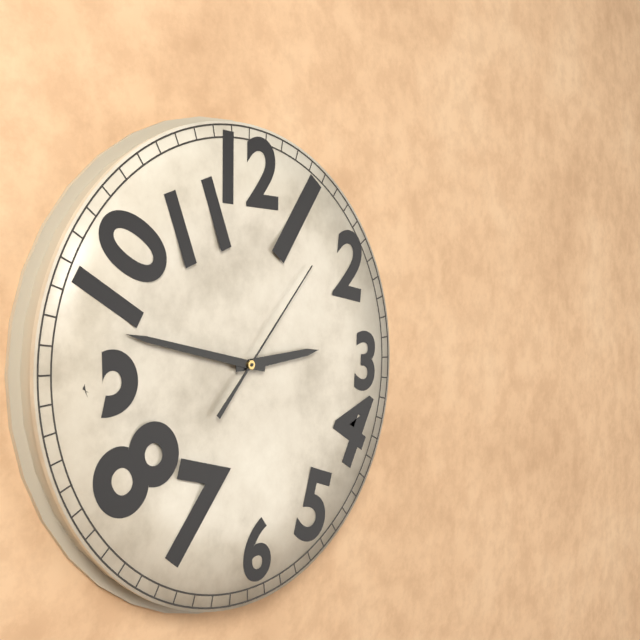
2:47:07
